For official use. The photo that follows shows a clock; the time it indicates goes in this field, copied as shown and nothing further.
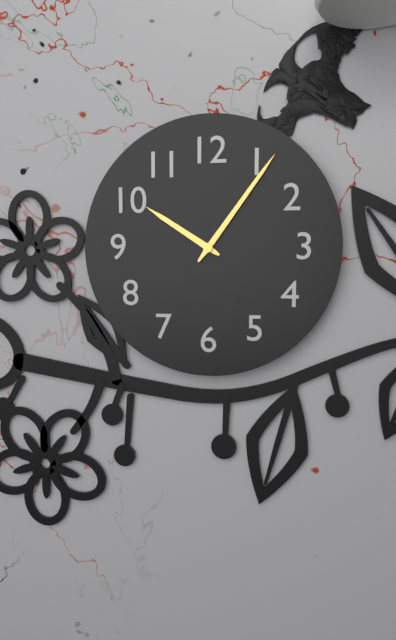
10:06
